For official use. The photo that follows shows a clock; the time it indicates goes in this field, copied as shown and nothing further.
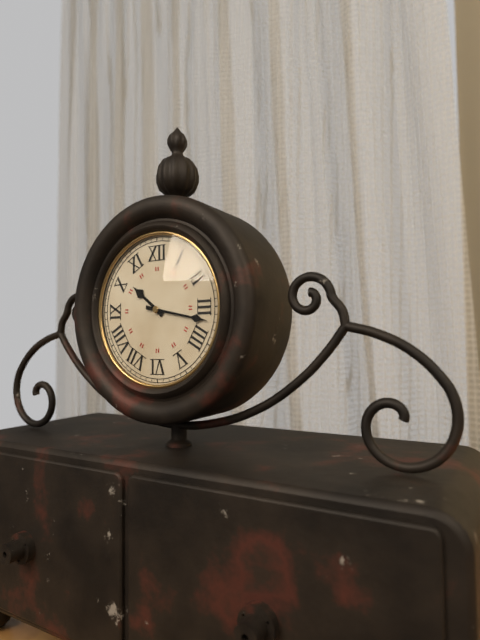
10:17
